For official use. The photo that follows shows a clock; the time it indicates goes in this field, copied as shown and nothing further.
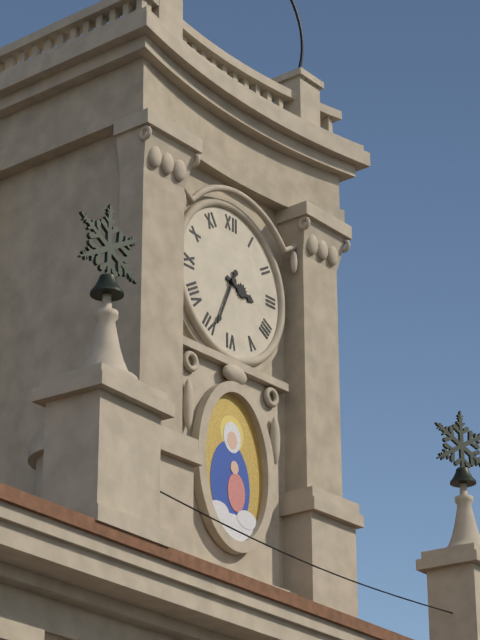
3:34
